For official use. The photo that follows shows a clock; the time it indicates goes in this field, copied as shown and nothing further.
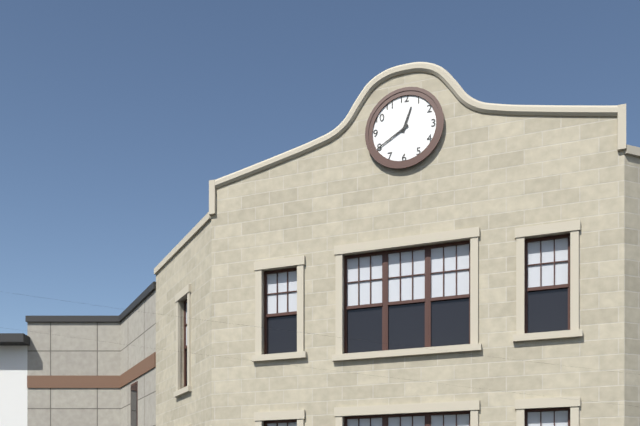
12:40
